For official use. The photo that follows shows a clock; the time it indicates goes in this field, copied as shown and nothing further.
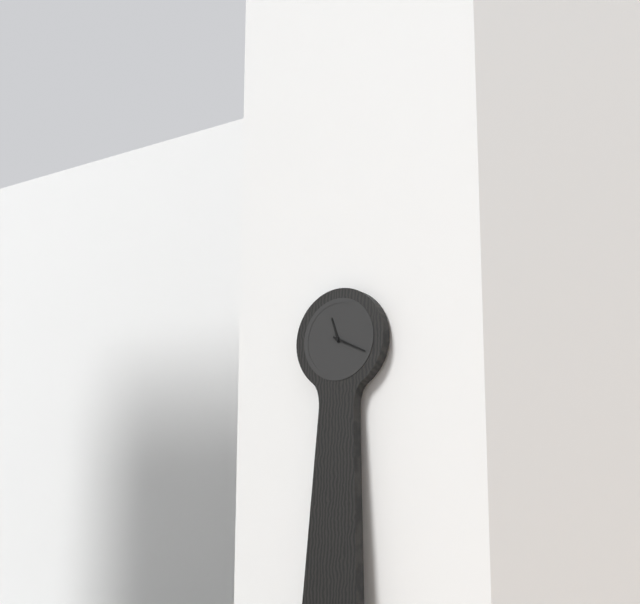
11:19
